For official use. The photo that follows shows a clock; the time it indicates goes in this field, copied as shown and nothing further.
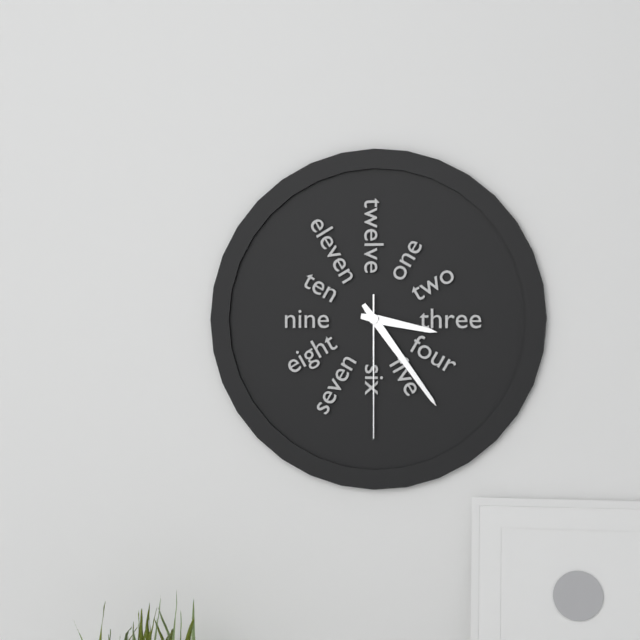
3:24:30
